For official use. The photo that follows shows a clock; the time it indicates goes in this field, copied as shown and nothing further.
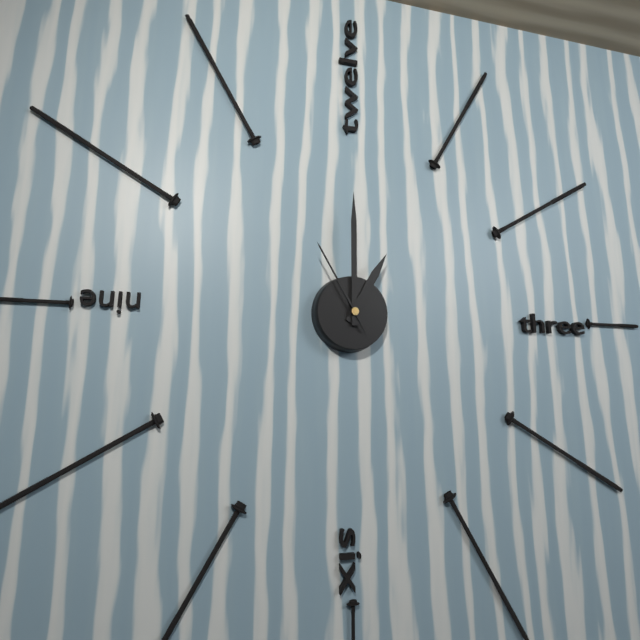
1:00:55
